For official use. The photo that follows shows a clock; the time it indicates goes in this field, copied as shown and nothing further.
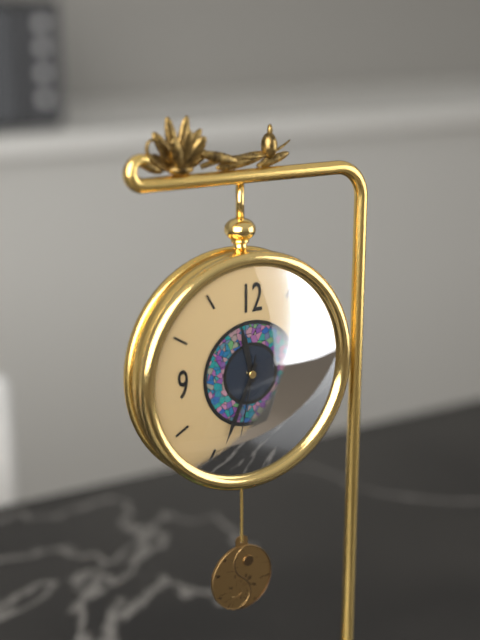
11:34:32
